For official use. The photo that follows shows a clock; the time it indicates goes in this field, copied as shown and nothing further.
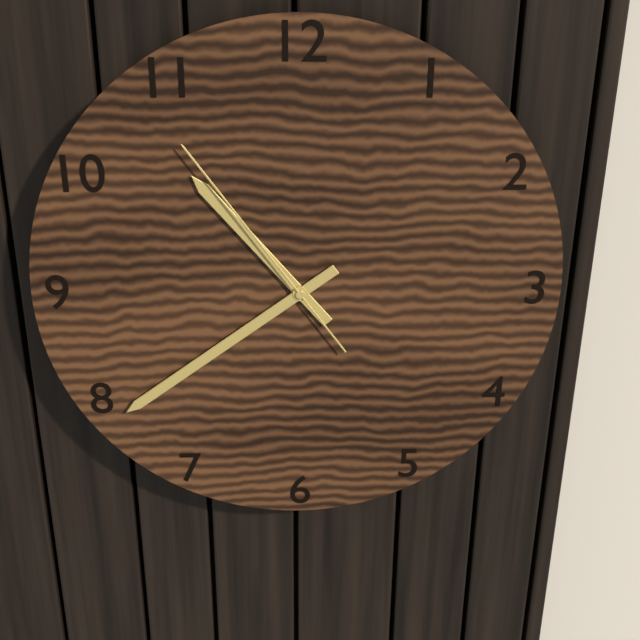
10:39:54
